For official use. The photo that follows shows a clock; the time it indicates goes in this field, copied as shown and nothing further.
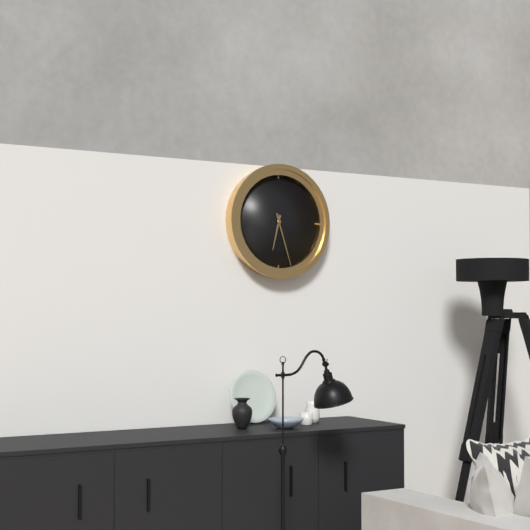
6:27
